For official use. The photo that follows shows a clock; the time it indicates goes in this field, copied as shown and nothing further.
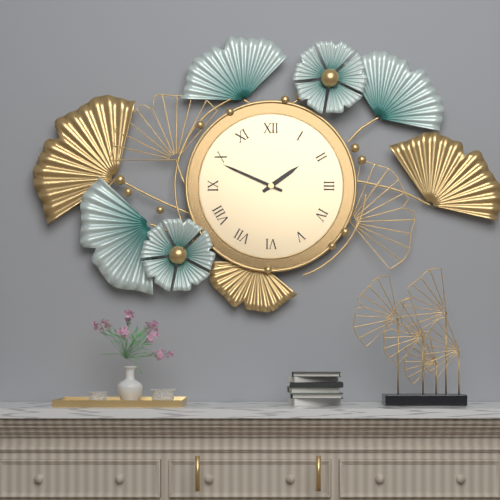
1:49
